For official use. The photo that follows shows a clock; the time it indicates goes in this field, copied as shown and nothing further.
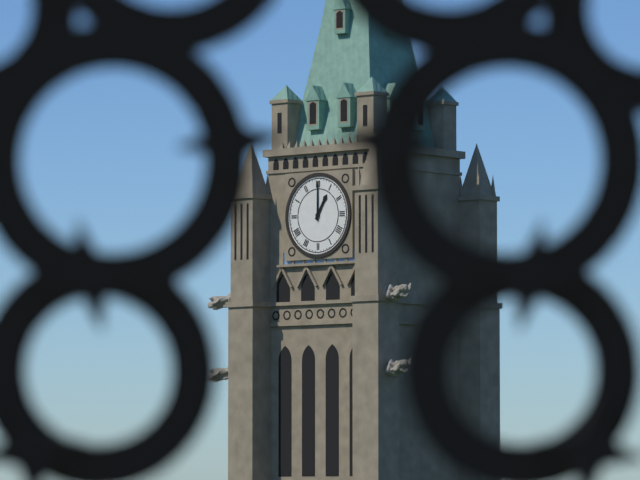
1:00
